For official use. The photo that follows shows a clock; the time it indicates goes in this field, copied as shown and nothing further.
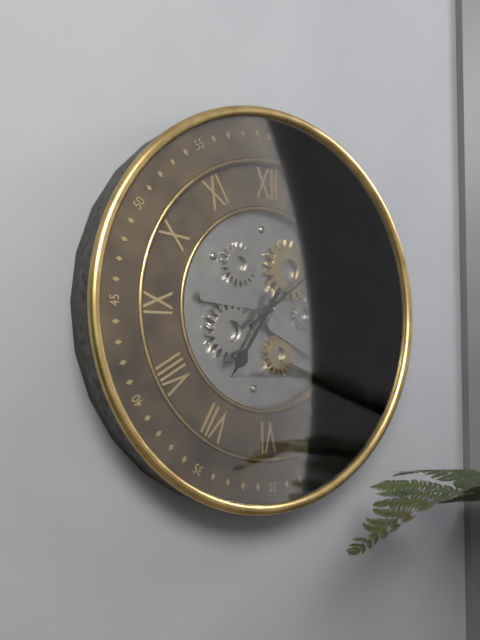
7:09
